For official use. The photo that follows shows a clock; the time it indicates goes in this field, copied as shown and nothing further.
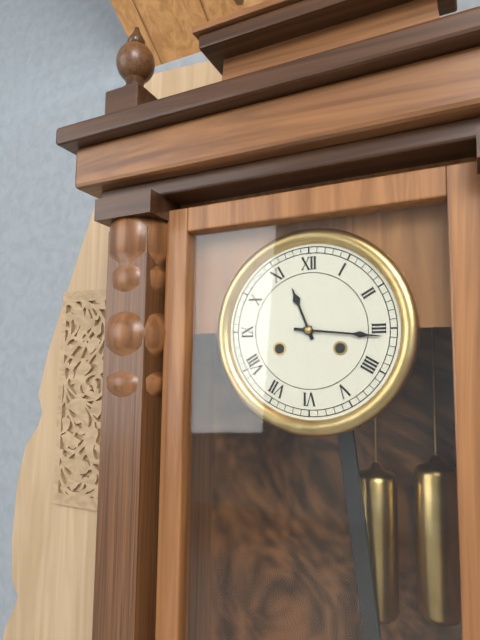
11:16
